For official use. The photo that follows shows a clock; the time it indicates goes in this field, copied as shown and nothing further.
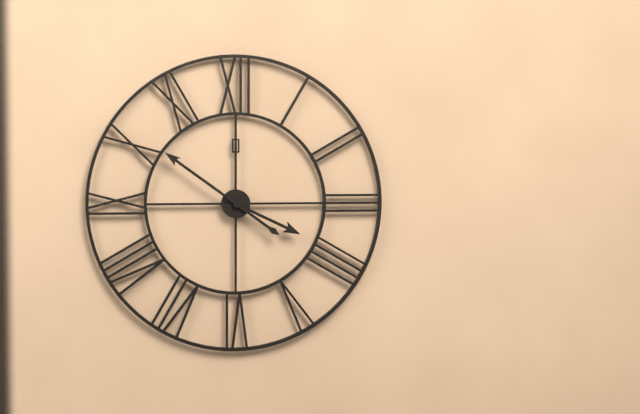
3:51
